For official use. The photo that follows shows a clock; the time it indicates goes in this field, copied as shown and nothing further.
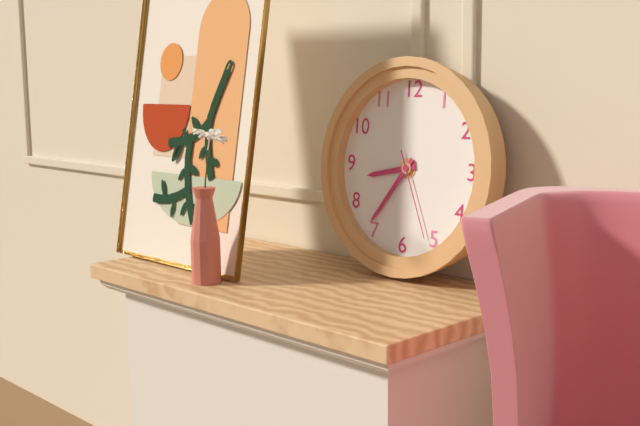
8:36:26
